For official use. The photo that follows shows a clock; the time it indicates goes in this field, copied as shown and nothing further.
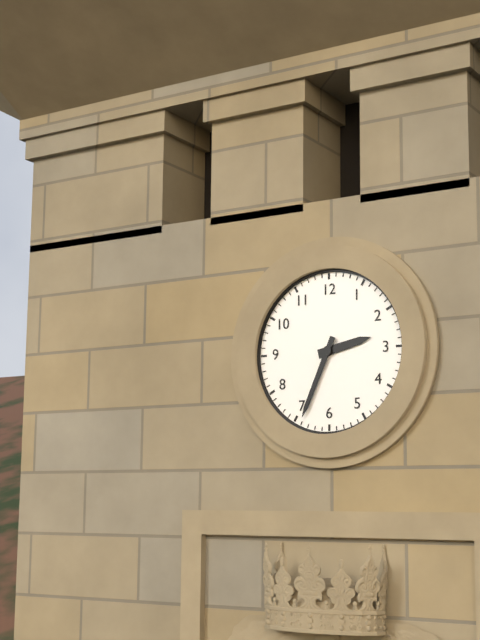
2:34
